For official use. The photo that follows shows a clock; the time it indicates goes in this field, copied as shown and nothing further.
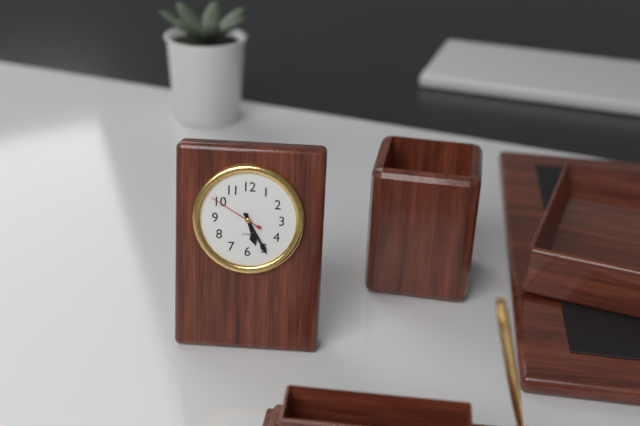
5:25:50
